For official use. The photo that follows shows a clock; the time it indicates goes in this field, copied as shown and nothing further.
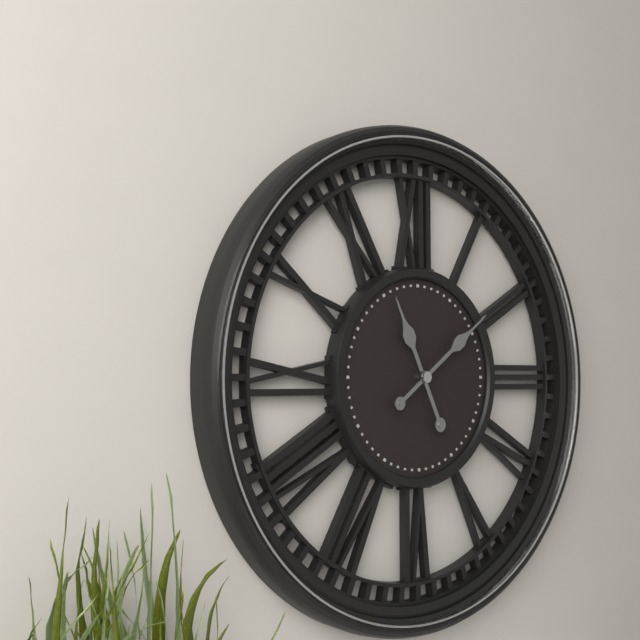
11:09
